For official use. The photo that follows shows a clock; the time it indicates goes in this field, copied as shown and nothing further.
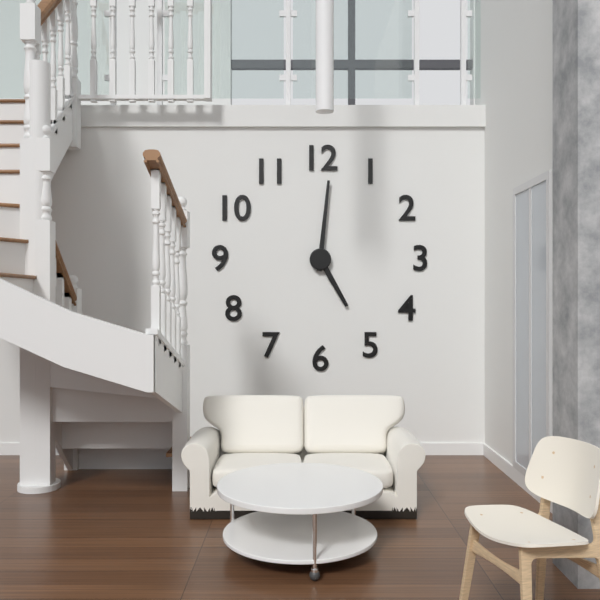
5:01
